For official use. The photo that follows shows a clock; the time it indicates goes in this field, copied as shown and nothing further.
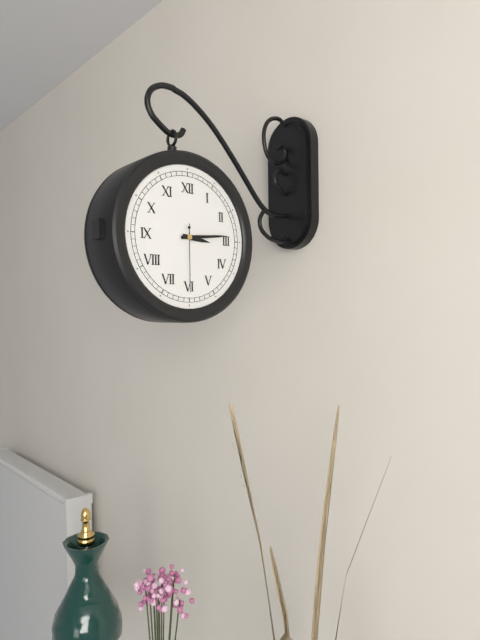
3:14:30
